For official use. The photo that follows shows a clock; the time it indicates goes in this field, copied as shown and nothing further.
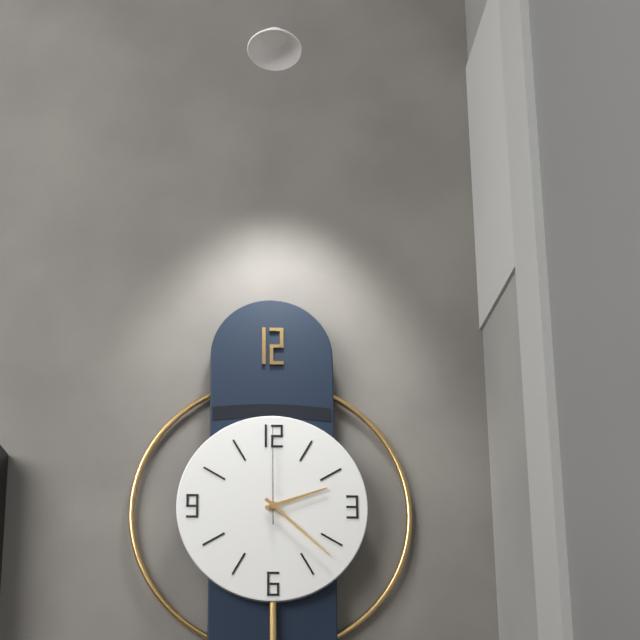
2:22:00
